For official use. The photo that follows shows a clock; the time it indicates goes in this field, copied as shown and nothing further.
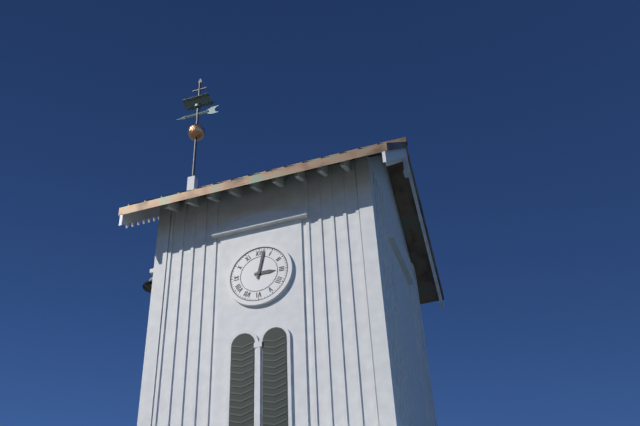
3:02
